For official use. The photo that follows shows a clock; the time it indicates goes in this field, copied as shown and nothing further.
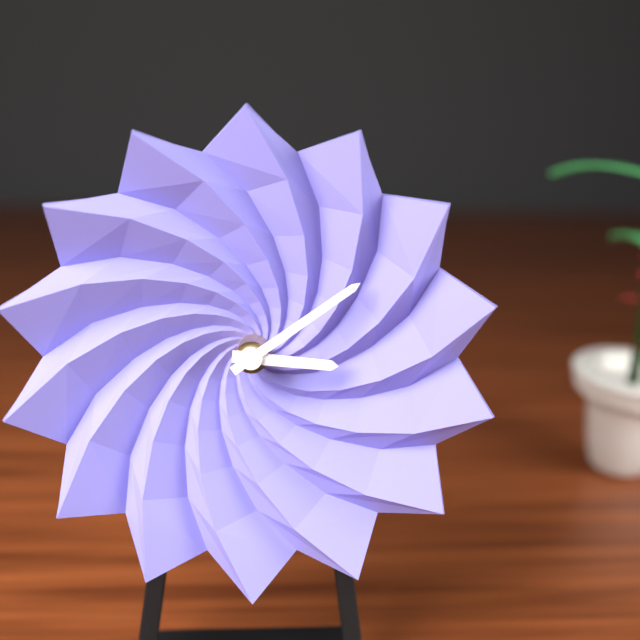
3:09
